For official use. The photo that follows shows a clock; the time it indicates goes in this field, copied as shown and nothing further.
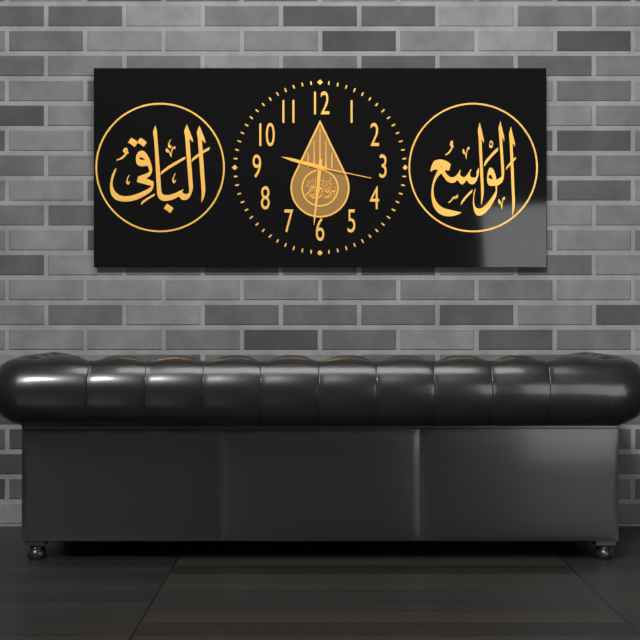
9:31:17
